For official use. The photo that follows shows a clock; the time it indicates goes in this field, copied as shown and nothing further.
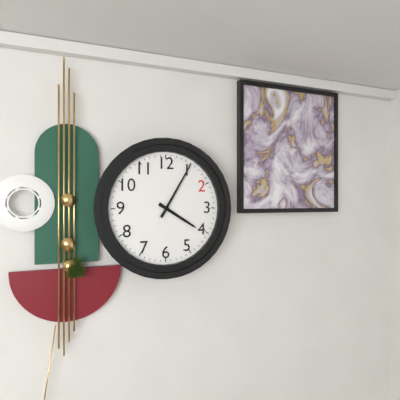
4:05
